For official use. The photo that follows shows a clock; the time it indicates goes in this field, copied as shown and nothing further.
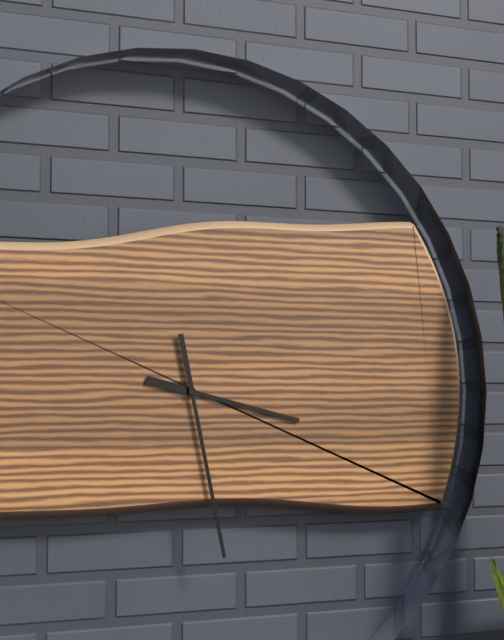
3:28
